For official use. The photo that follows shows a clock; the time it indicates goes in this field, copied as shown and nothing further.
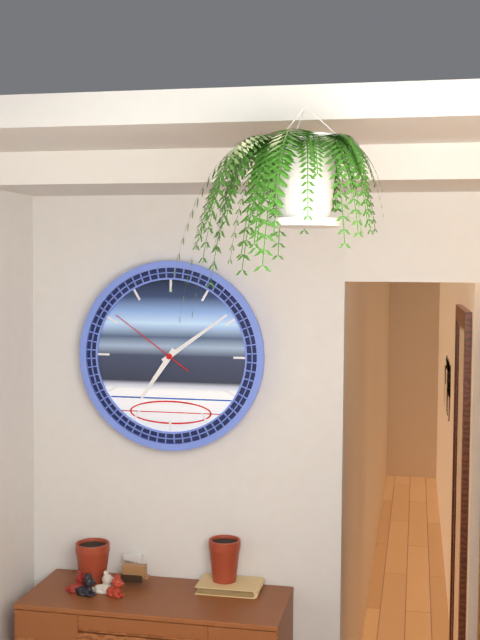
7:09:51
